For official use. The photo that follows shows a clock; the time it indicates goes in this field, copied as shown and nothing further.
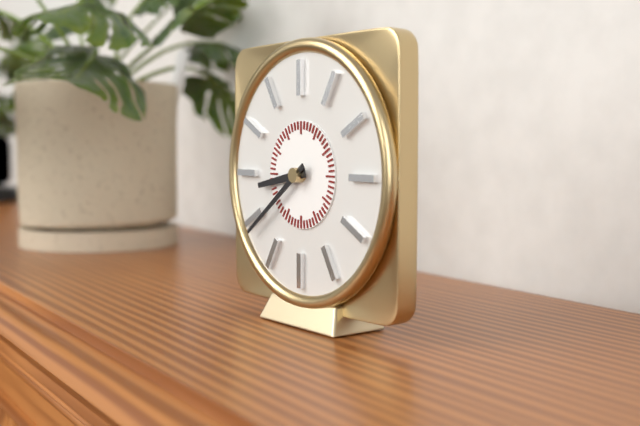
8:39
